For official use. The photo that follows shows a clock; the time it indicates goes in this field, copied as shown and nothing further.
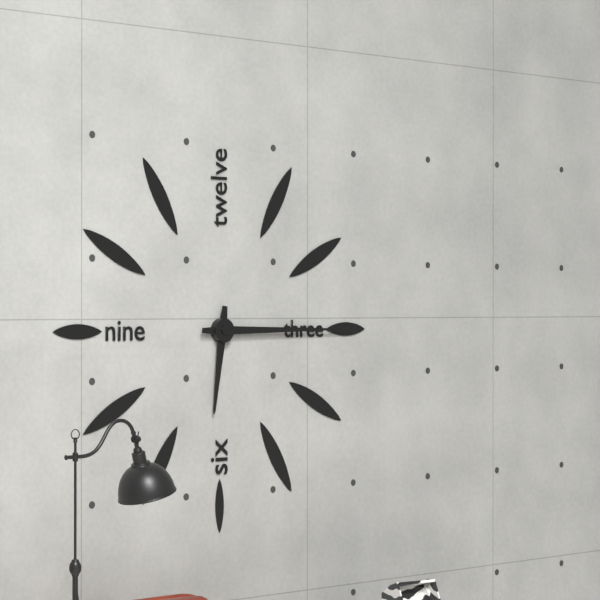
6:15
